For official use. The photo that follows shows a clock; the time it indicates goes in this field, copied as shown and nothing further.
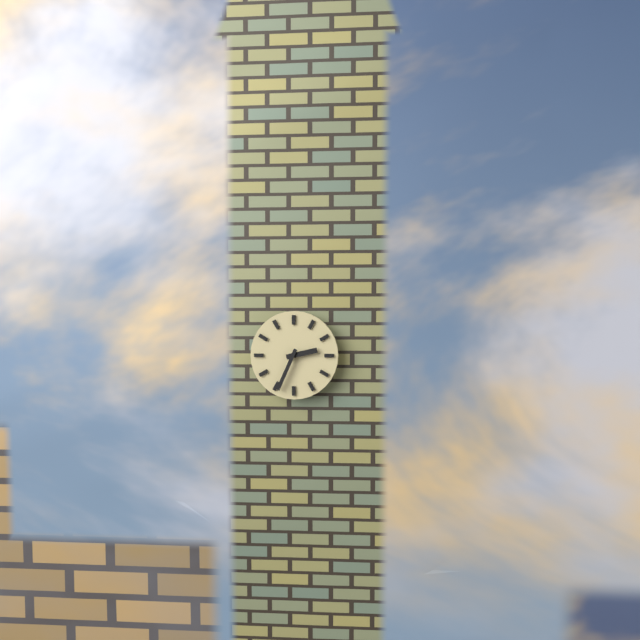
2:34
